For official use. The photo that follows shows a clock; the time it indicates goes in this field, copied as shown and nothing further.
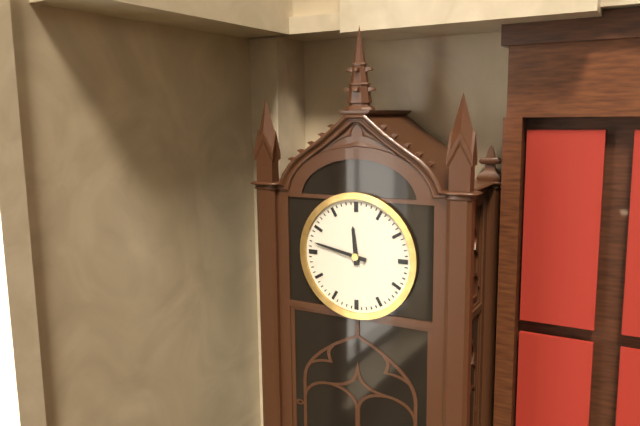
11:47
